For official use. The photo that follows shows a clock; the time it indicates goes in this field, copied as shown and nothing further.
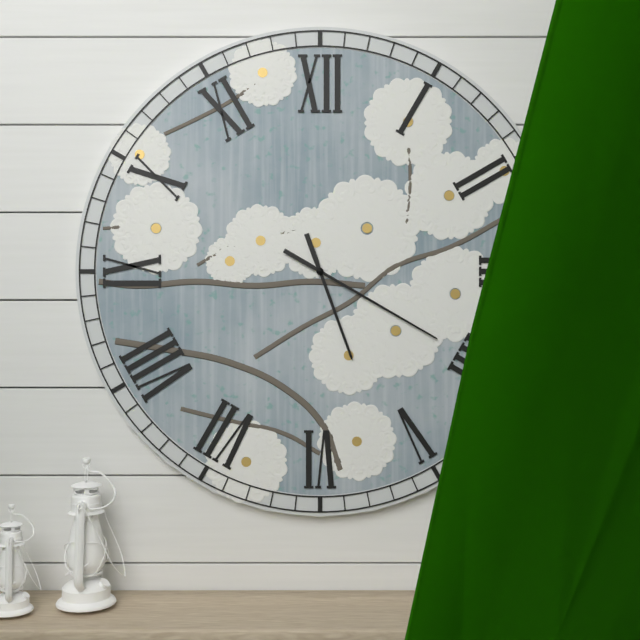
5:20
